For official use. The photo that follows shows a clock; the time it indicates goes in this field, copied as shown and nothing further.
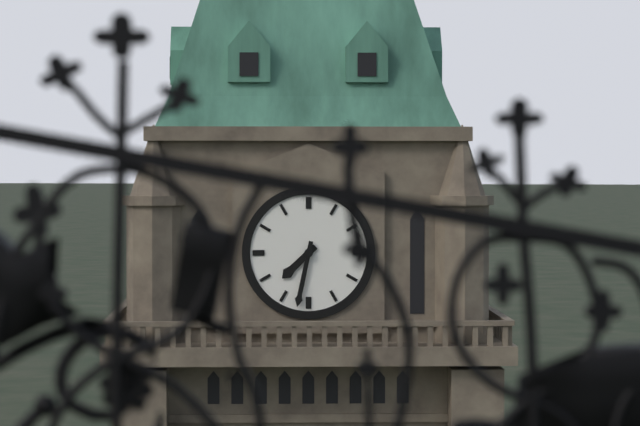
7:32
